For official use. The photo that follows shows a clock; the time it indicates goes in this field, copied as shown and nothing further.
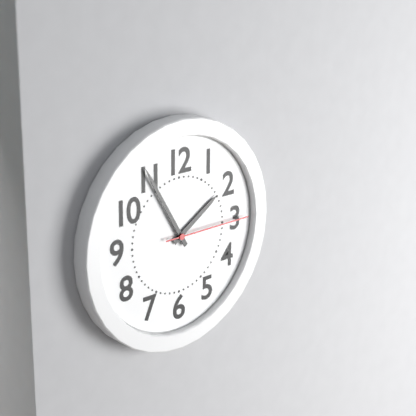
1:55:15
